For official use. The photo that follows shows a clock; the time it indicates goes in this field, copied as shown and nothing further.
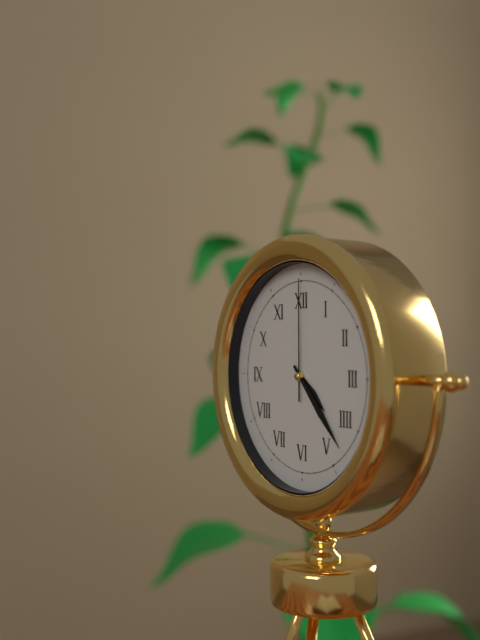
4:23:00
